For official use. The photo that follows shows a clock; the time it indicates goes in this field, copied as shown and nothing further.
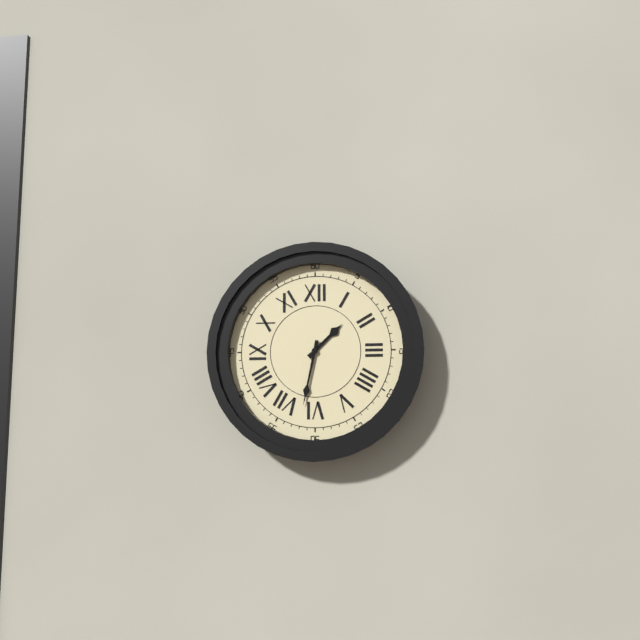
1:32
